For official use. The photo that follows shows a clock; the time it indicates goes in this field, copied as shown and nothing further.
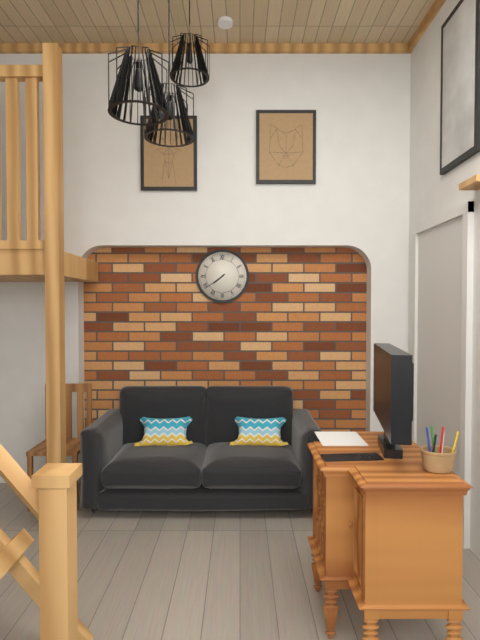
7:39
